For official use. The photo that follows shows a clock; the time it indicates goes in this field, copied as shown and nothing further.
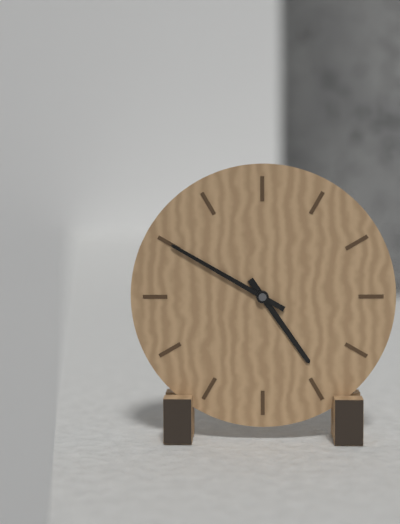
4:50
